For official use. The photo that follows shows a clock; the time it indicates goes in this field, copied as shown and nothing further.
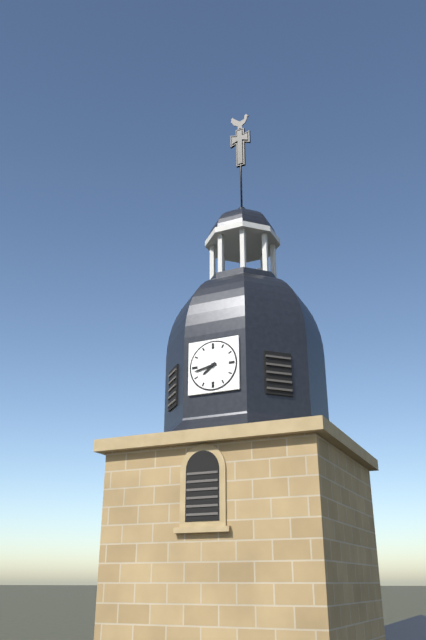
7:43
